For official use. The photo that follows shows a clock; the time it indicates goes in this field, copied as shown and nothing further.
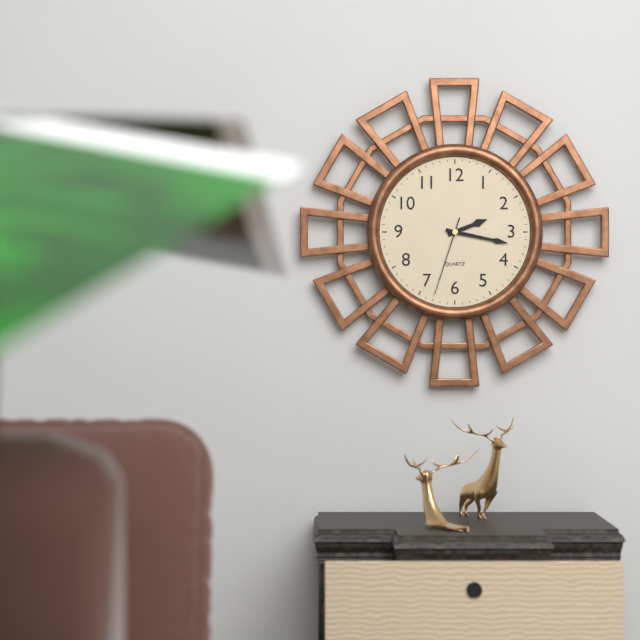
2:17:33
